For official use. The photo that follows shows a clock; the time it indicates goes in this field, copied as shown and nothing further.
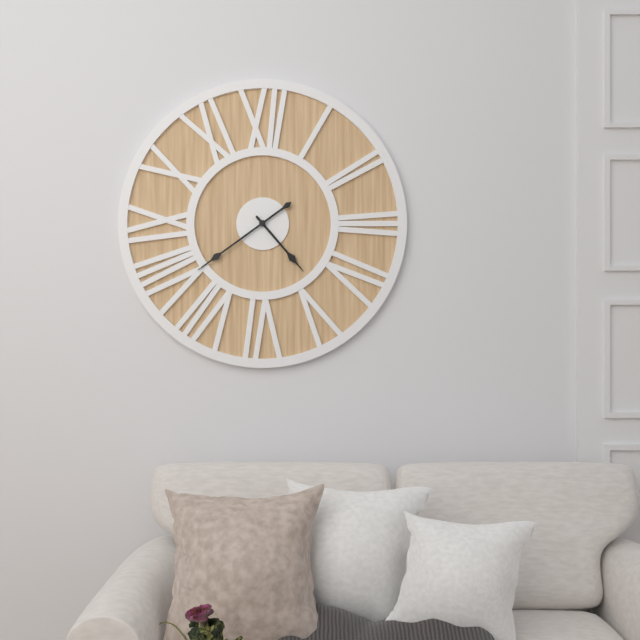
4:39
